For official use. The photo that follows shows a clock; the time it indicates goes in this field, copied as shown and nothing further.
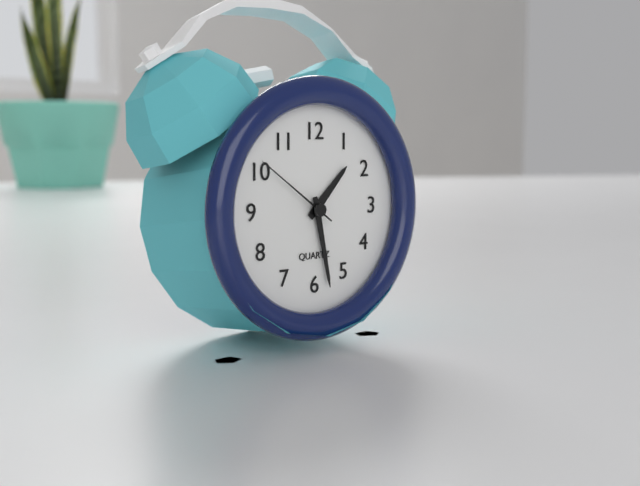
1:28:51
